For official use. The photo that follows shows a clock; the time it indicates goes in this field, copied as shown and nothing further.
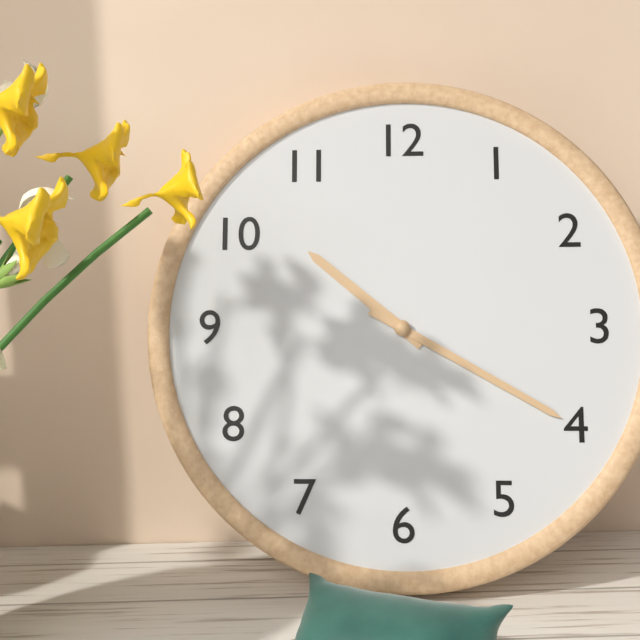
10:20
